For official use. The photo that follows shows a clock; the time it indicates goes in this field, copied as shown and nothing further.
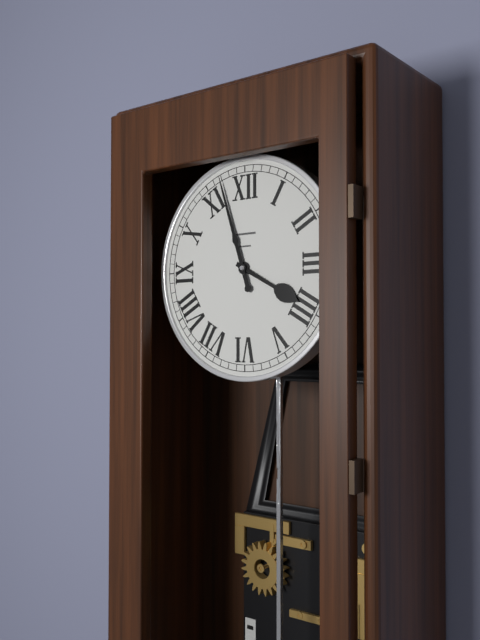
3:57
